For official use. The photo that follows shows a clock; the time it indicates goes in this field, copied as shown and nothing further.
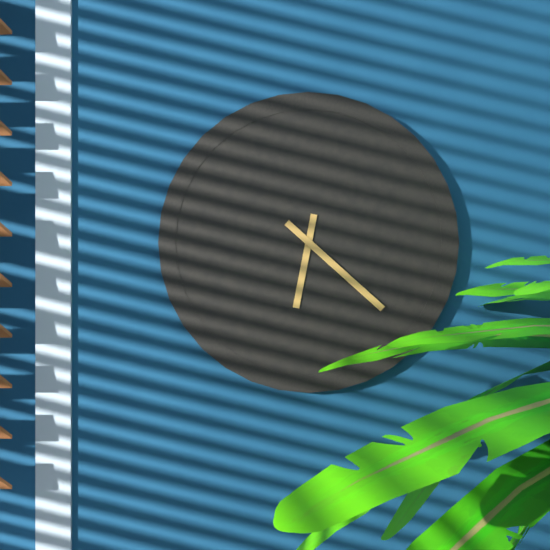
6:22
